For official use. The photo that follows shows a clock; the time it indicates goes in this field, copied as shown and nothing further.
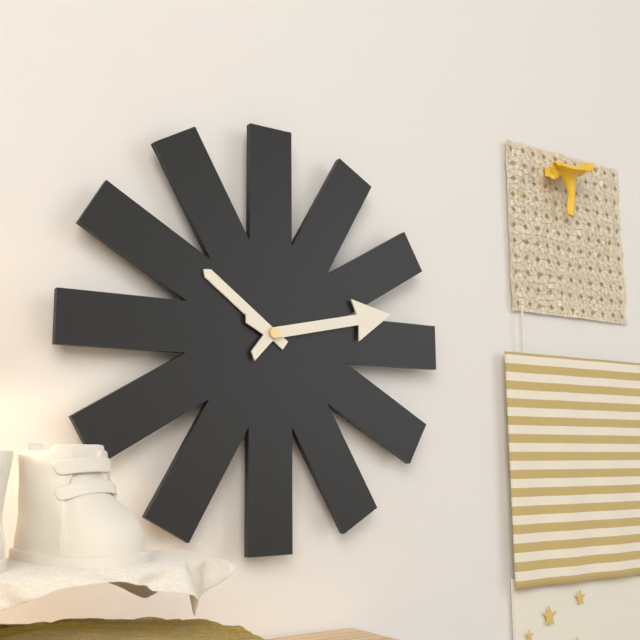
10:13
